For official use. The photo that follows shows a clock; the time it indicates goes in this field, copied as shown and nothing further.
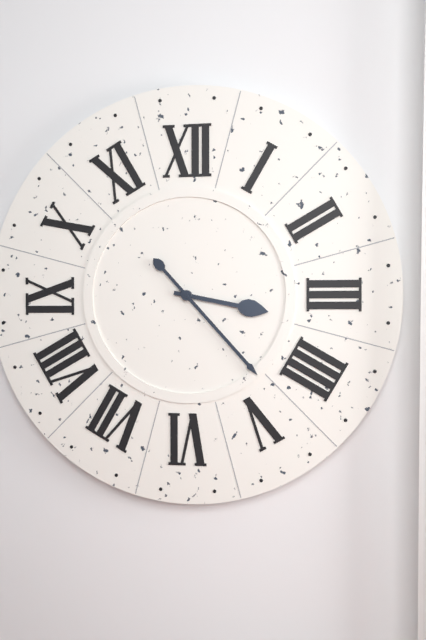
3:23
